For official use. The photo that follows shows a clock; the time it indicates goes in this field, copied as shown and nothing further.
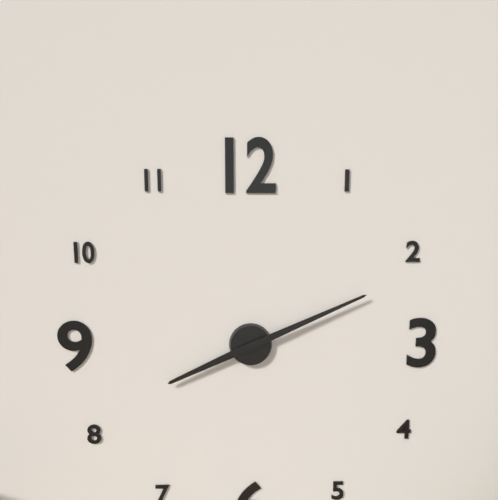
8:11
